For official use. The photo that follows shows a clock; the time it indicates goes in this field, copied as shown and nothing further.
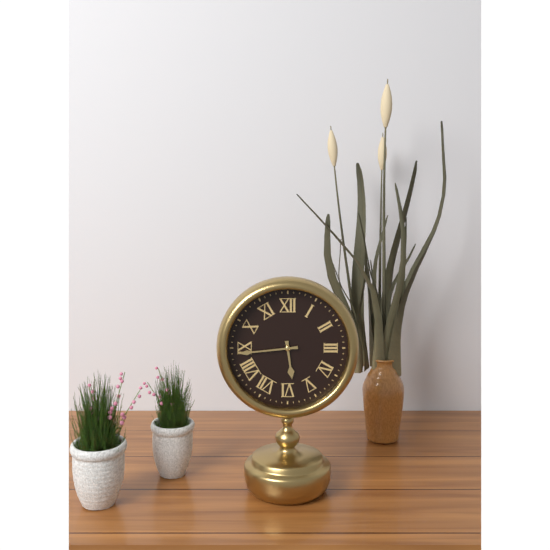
5:44
